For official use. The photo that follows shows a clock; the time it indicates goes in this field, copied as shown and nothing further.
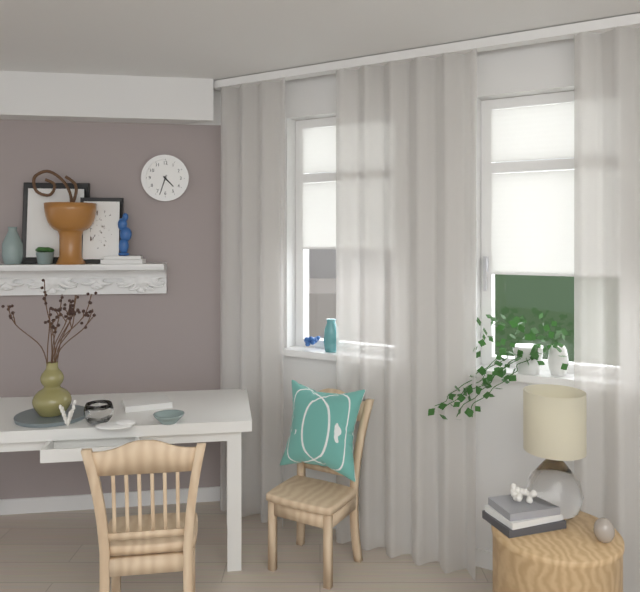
4:33
